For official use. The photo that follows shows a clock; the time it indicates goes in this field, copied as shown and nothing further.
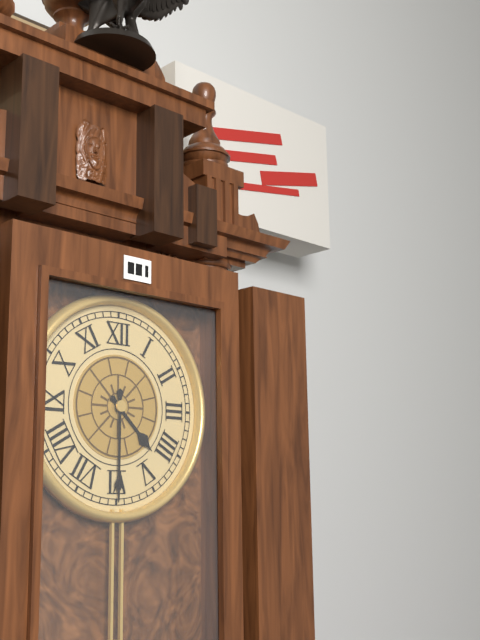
4:30
